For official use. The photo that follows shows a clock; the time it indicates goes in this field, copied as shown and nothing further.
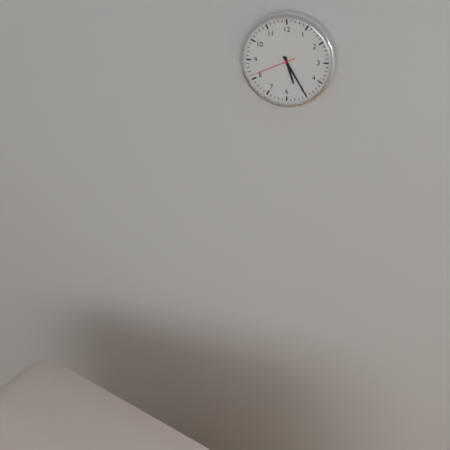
5:25
